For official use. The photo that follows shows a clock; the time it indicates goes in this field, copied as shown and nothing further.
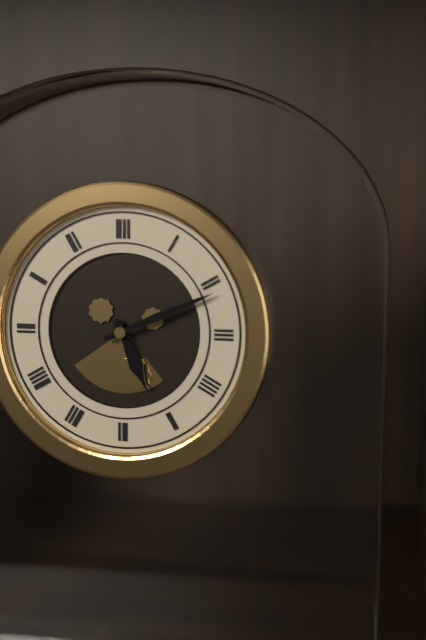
5:11
